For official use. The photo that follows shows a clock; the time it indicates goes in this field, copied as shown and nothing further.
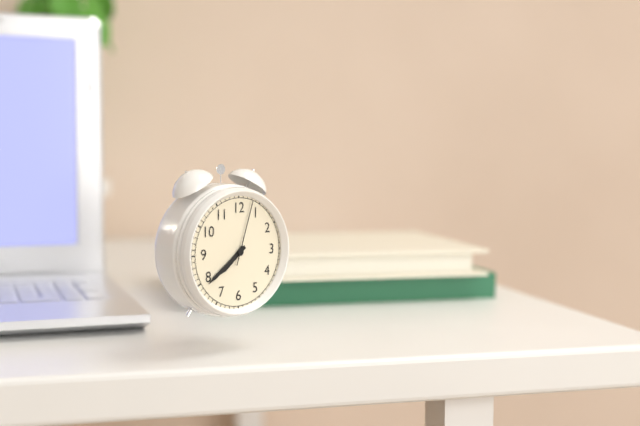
7:39:03
